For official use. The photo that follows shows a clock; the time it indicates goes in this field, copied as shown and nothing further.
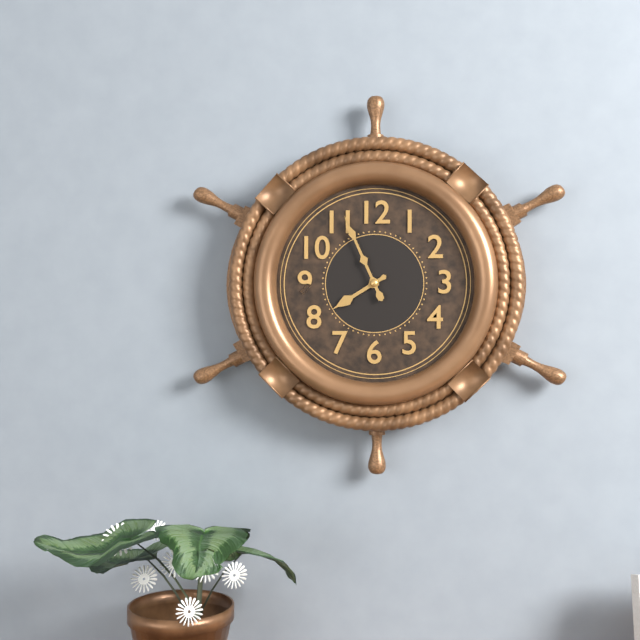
7:56
